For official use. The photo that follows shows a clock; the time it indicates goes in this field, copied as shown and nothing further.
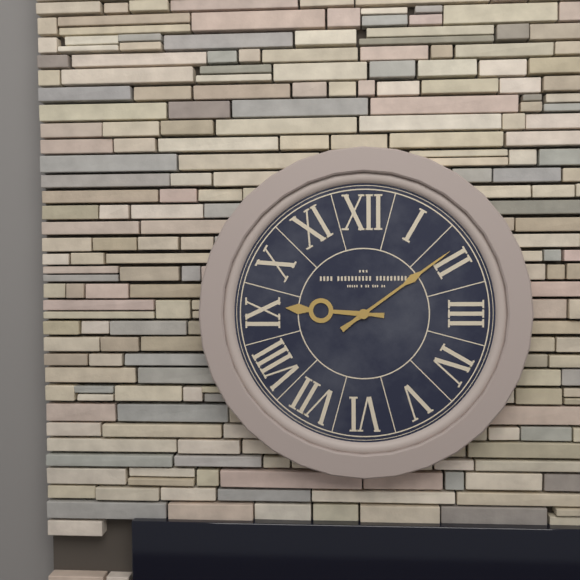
9:09
